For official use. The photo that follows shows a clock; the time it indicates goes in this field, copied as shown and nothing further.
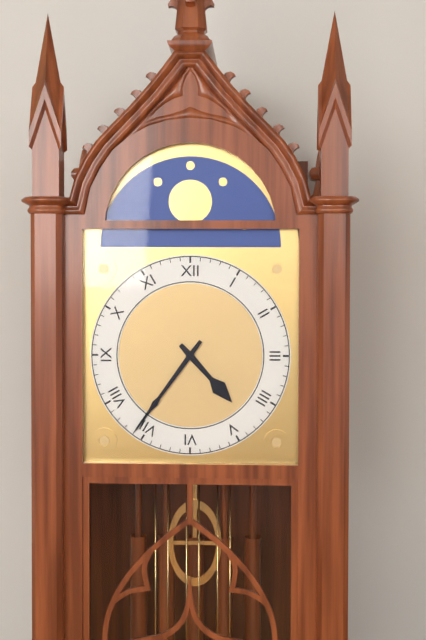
4:36
